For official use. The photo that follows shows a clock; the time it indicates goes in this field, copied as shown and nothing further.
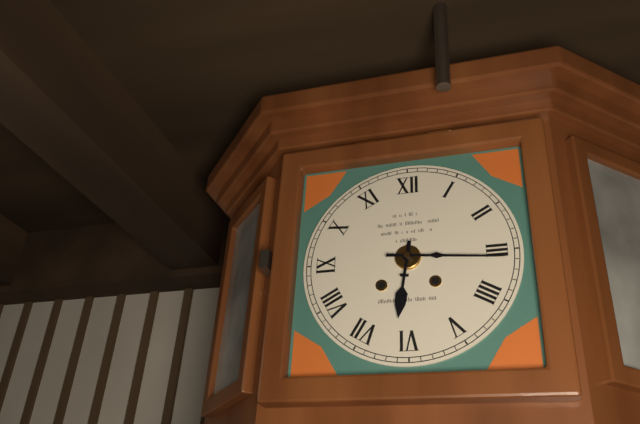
6:16
